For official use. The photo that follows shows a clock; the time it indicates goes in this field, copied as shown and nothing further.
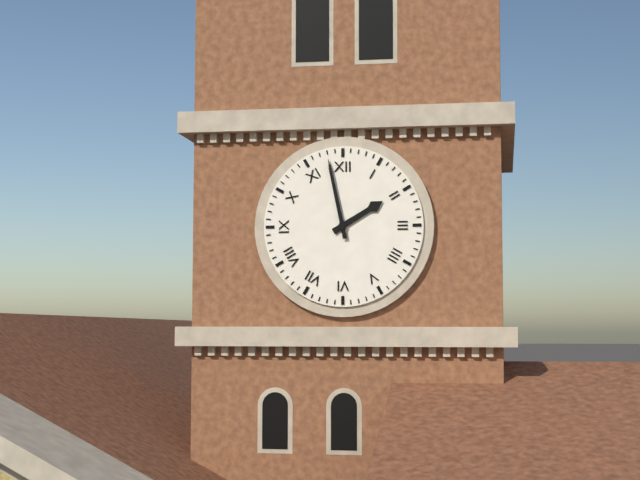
1:58
